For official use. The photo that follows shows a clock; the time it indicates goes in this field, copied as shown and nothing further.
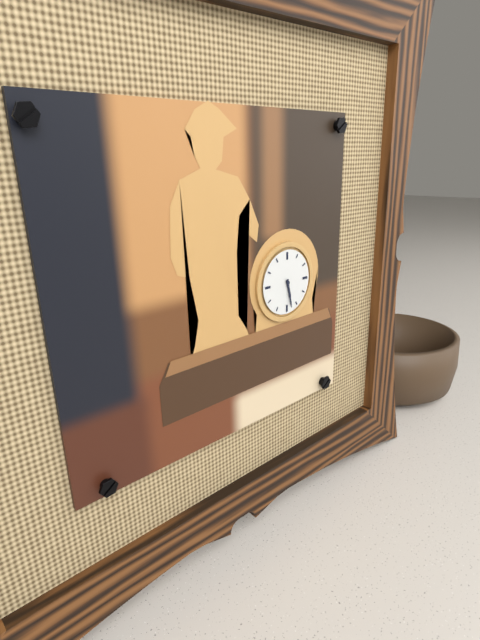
5:28
